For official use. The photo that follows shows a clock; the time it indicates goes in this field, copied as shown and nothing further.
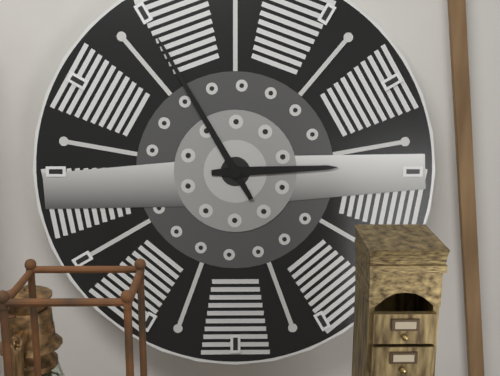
2:55
